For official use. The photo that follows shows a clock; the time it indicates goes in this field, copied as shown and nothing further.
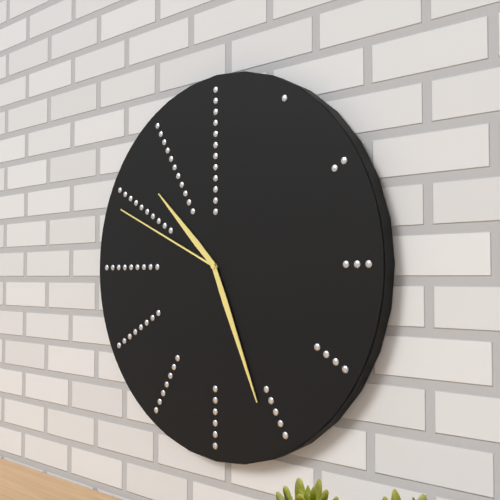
10:26:49
